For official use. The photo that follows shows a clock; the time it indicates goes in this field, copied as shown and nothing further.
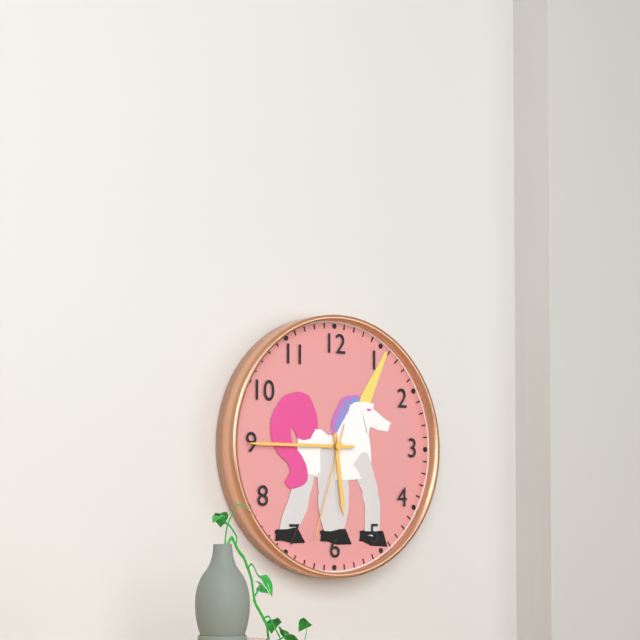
5:45:33
